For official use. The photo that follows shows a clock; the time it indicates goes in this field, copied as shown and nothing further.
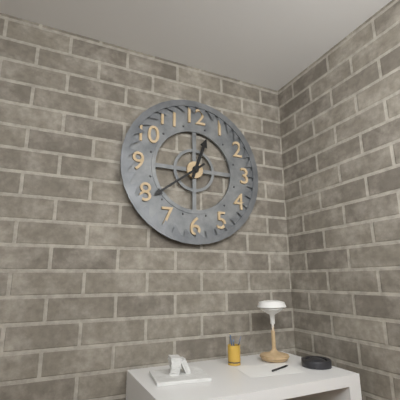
12:39
